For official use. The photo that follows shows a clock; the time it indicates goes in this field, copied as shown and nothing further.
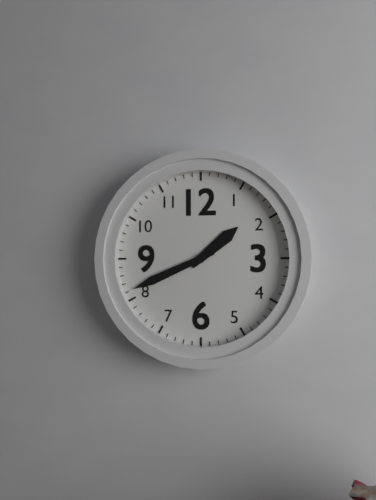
1:41
